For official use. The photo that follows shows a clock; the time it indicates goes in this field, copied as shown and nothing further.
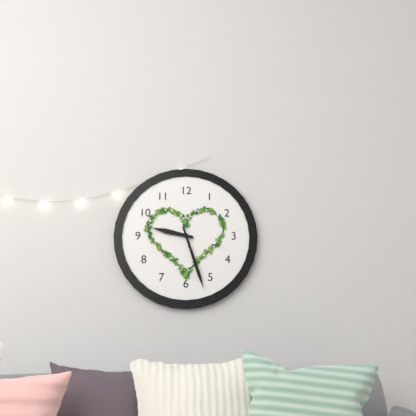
9:27
